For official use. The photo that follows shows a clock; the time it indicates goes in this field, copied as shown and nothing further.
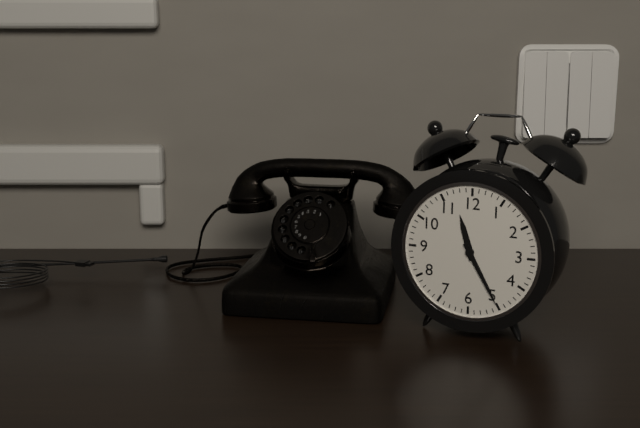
11:25
